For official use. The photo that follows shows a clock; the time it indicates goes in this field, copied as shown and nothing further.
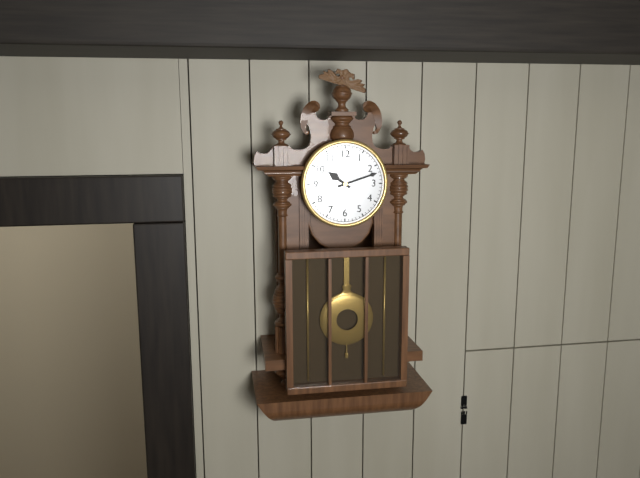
10:12
